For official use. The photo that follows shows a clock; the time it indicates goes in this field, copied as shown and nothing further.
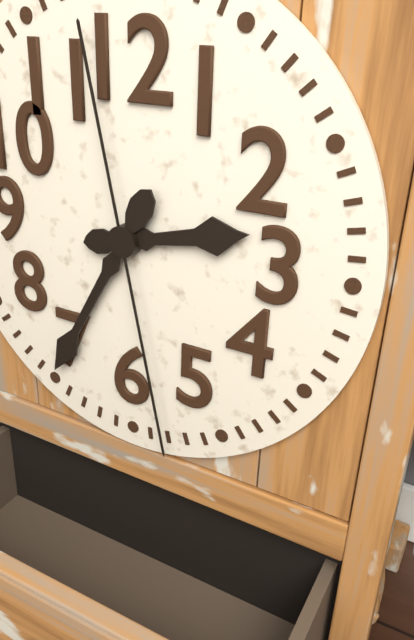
2:35:28
